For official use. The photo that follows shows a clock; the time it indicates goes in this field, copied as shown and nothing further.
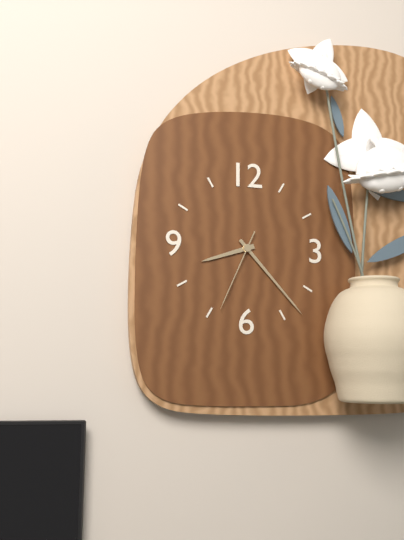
8:23:34
